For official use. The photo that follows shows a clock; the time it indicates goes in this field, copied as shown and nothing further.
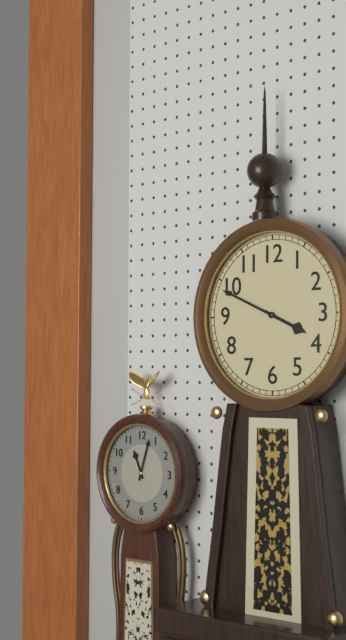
3:49
